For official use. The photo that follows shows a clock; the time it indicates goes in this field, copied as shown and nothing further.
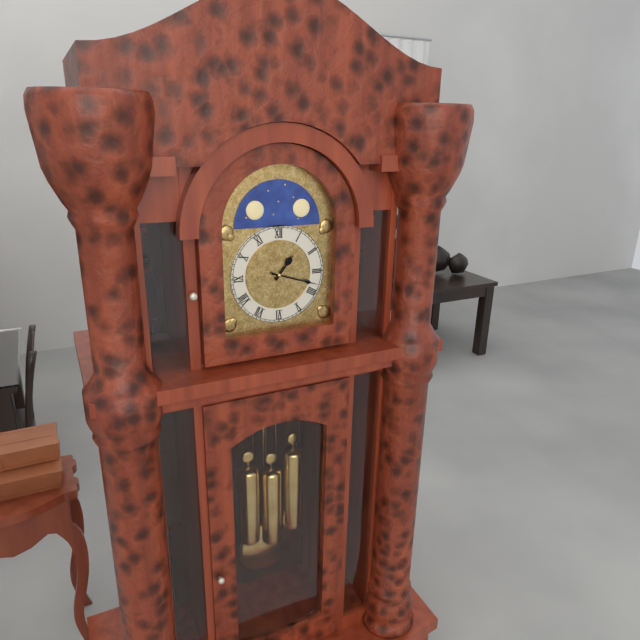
1:18
